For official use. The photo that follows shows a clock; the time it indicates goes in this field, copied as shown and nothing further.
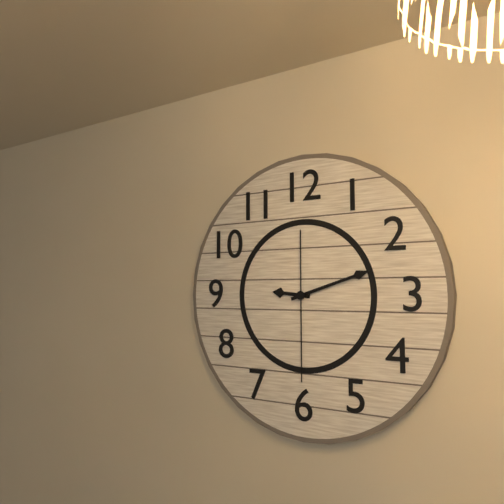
9:12:30
